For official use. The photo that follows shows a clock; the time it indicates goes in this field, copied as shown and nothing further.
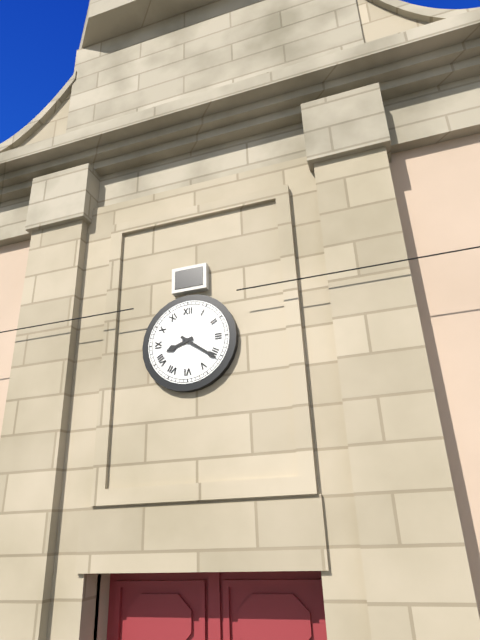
8:21
